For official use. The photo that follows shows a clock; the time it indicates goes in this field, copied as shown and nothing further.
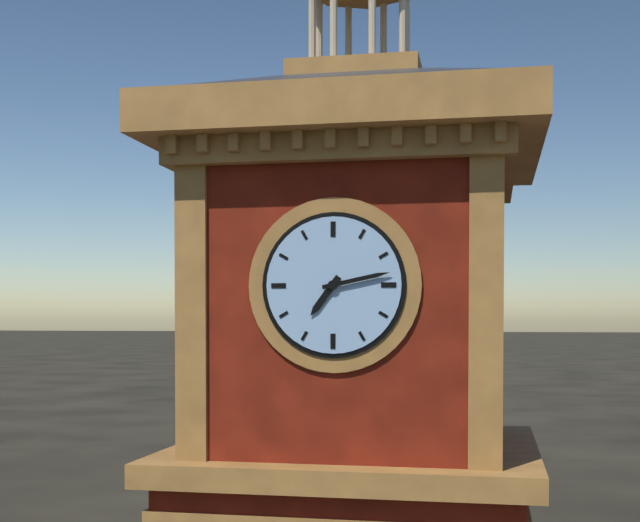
7:13
